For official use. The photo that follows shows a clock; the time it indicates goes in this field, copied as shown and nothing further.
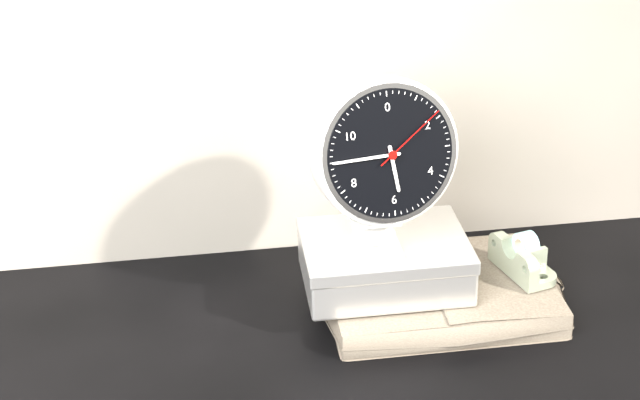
5:45:09
